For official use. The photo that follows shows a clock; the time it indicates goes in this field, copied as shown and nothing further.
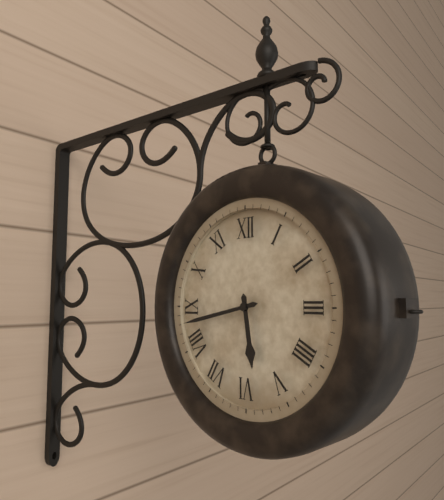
5:43
